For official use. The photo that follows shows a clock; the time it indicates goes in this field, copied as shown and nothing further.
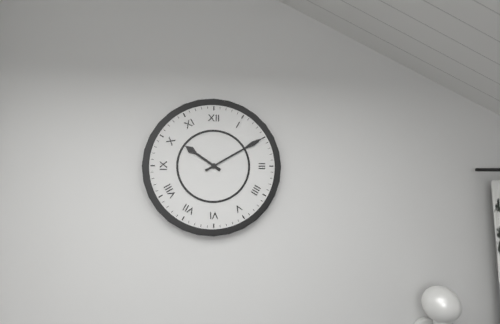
10:10
